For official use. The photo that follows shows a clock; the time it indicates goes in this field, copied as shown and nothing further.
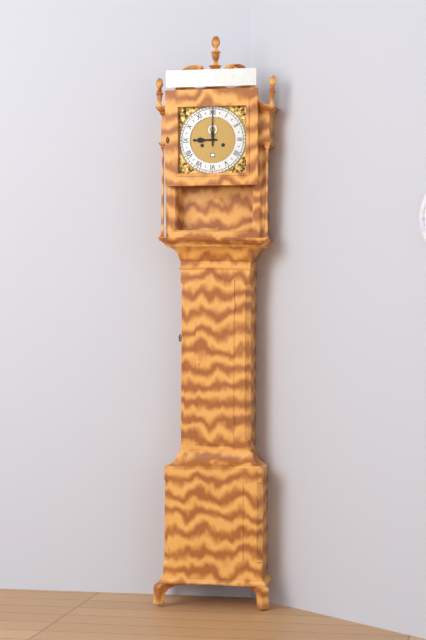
9:00
